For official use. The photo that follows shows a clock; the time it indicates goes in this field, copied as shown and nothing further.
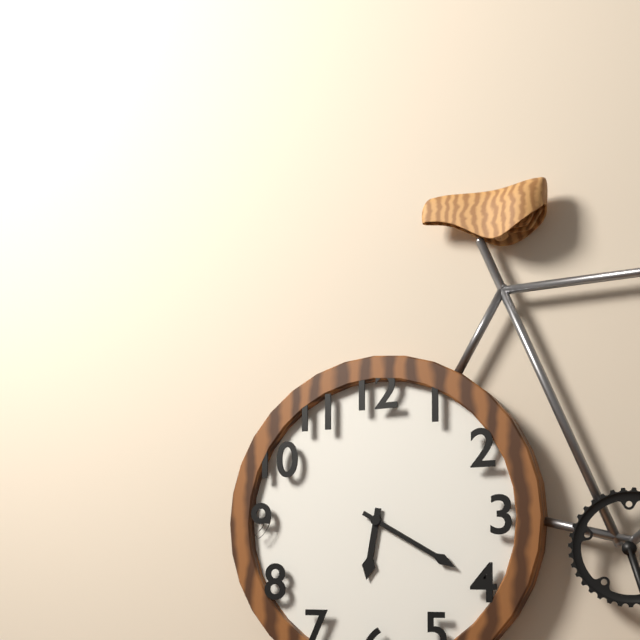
6:20
